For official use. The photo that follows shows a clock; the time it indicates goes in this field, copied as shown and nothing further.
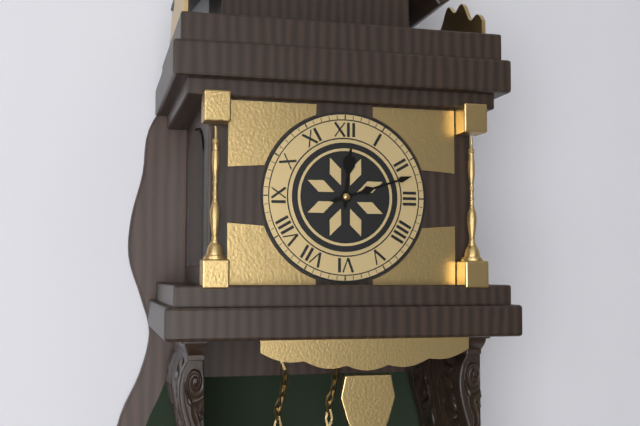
12:12
